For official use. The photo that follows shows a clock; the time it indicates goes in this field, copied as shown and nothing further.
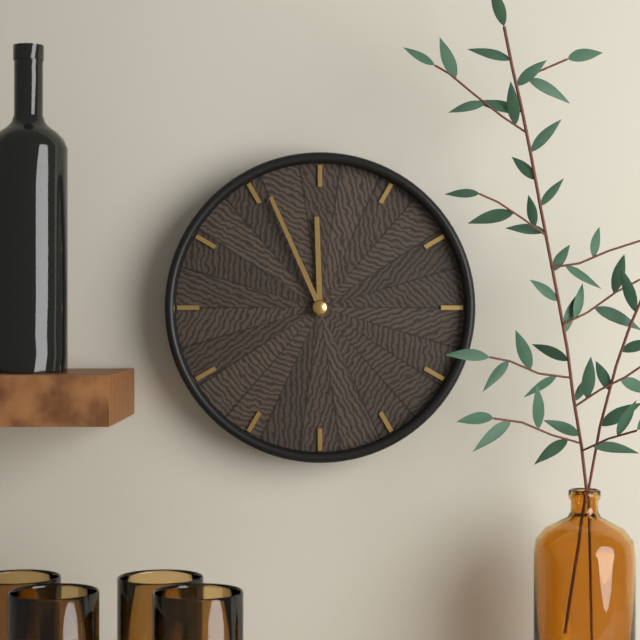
11:56
